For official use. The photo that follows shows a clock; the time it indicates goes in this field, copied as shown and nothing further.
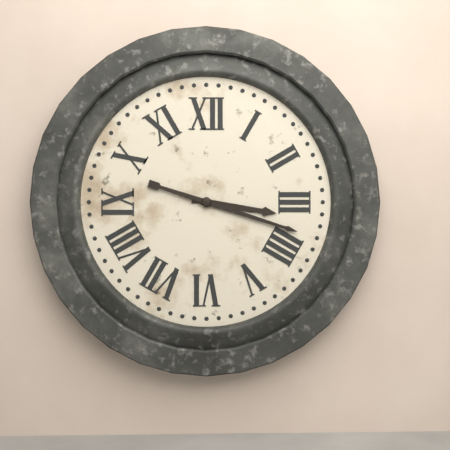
3:18
